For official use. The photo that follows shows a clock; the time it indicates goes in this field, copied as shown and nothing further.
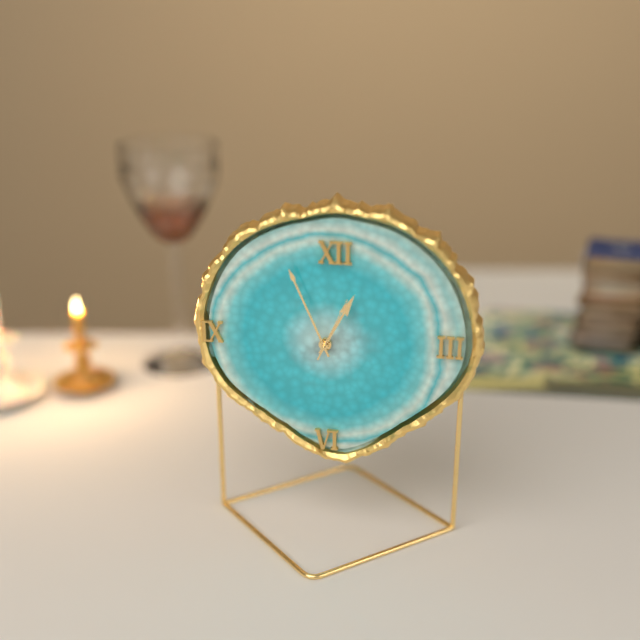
12:56:04
